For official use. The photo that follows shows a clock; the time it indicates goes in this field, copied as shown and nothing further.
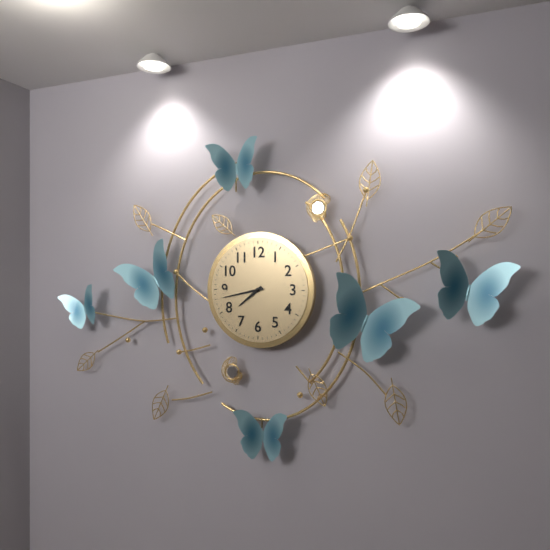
7:43
